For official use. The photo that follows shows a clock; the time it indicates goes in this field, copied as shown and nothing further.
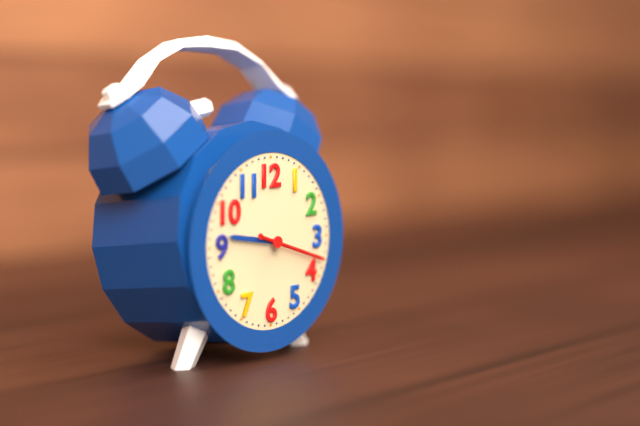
9:18:18
